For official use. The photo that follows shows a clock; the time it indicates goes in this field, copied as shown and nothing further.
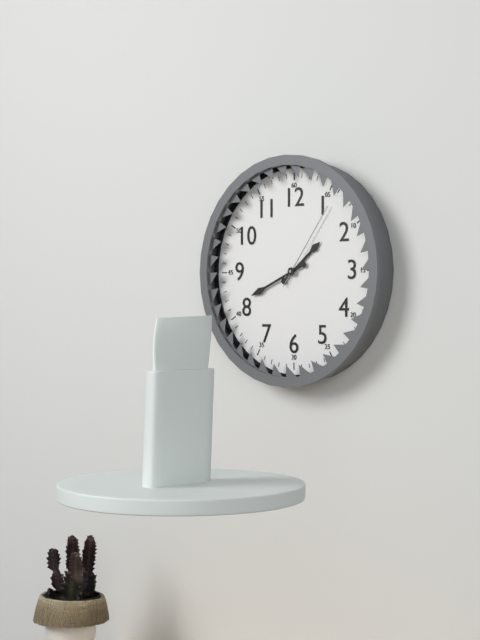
1:41:06
